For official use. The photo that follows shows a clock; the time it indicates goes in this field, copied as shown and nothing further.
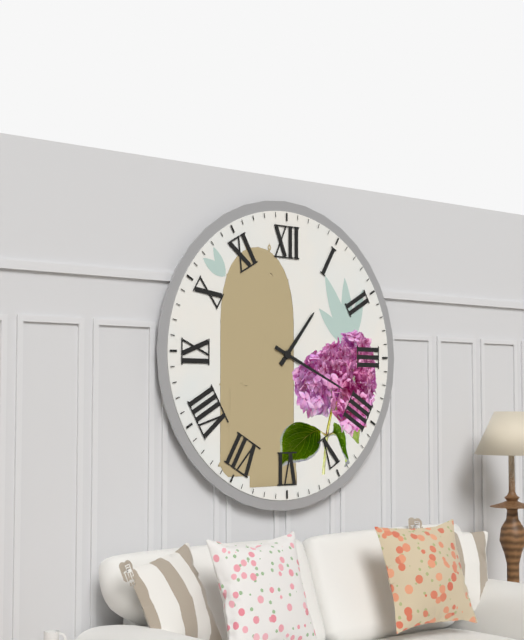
1:19
